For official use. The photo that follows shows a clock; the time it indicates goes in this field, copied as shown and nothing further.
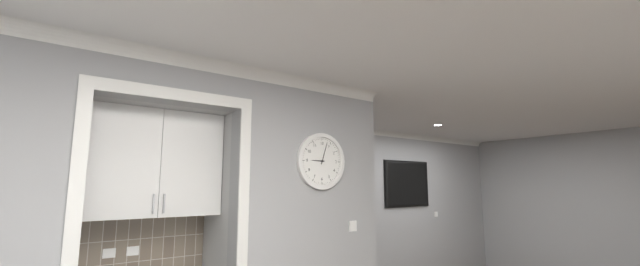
9:03
